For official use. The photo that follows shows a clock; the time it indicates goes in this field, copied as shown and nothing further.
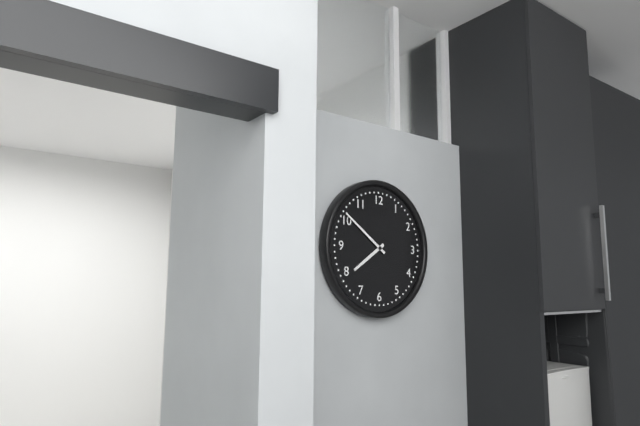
7:51
